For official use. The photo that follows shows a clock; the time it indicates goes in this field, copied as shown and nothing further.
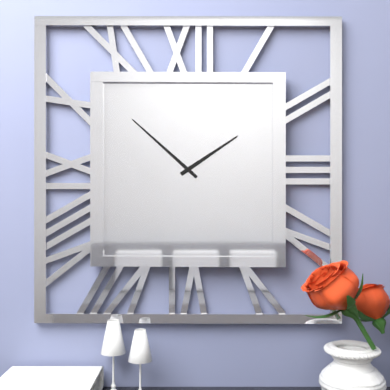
1:52
